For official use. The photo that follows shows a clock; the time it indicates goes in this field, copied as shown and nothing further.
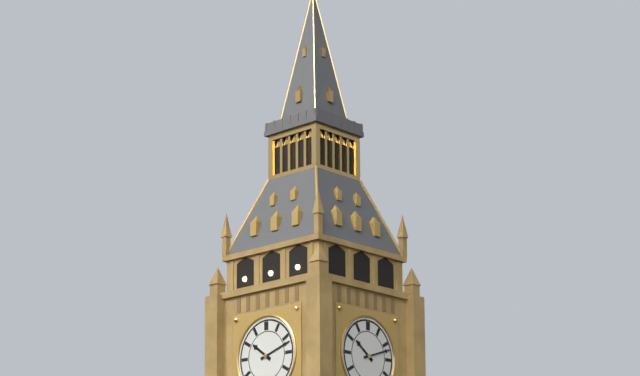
10:12
